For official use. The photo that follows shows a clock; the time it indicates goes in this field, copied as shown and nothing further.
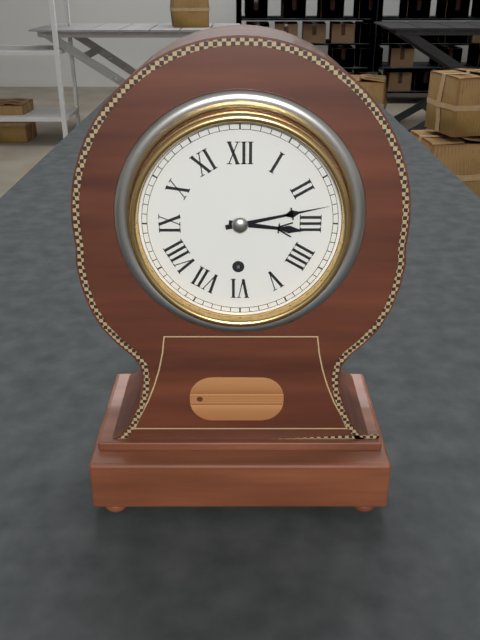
3:13
